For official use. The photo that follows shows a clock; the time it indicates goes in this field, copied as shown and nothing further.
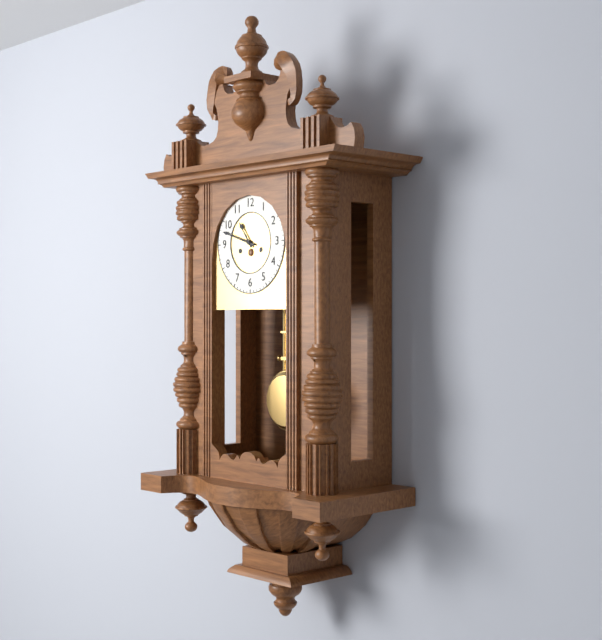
10:48
